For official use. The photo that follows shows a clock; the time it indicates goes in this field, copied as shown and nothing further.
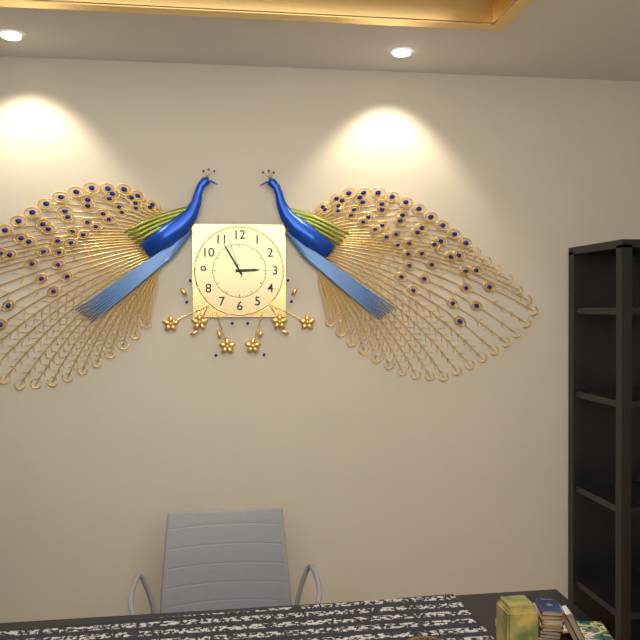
2:55
